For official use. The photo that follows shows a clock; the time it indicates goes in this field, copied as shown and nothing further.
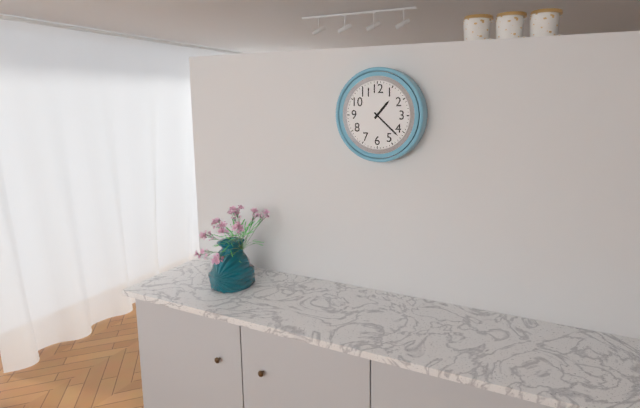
1:22
